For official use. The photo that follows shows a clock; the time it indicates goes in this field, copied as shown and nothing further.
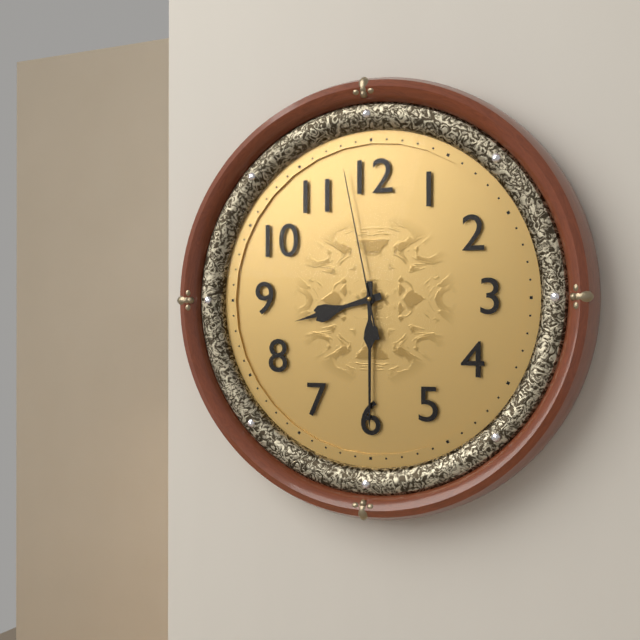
8:30:58
